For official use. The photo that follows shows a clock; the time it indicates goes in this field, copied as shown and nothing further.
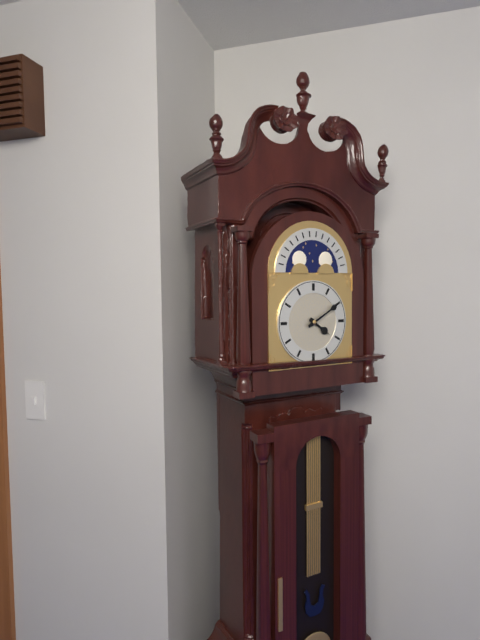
4:10
